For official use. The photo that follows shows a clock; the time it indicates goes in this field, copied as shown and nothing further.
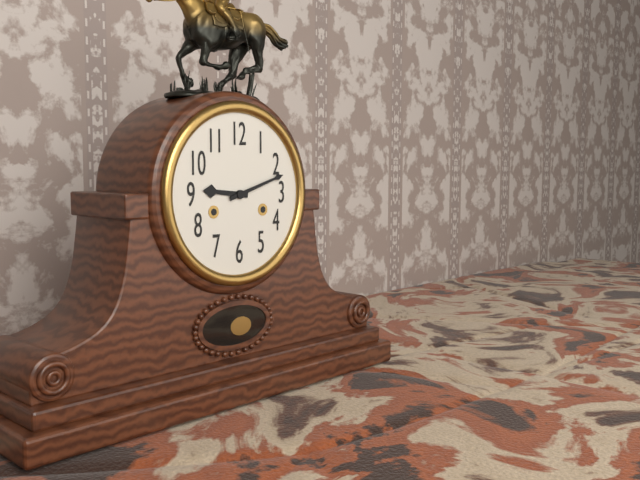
9:12
